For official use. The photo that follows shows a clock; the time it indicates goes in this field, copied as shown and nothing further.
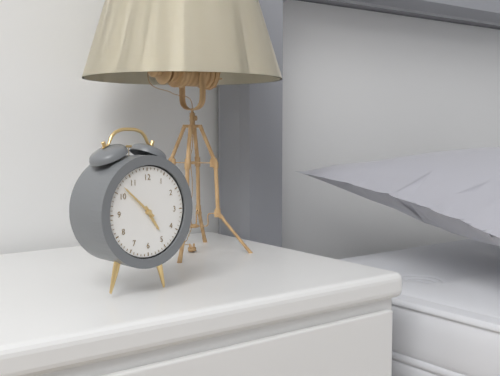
4:52
